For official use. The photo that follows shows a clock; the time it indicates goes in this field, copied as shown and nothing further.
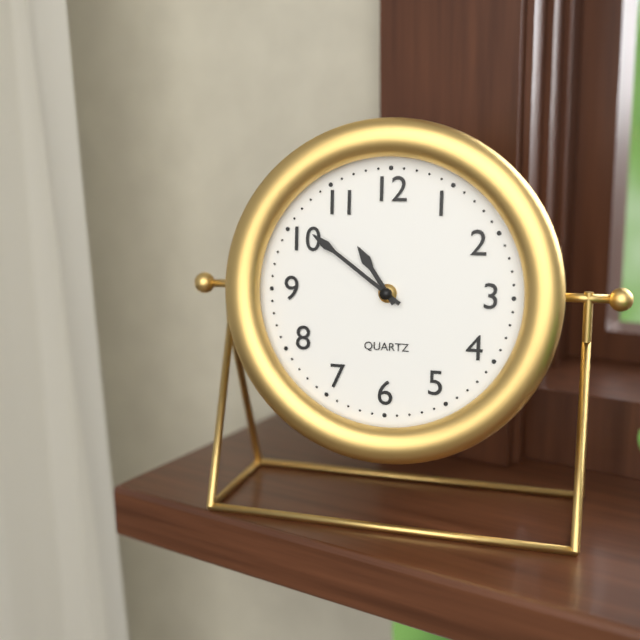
10:51
